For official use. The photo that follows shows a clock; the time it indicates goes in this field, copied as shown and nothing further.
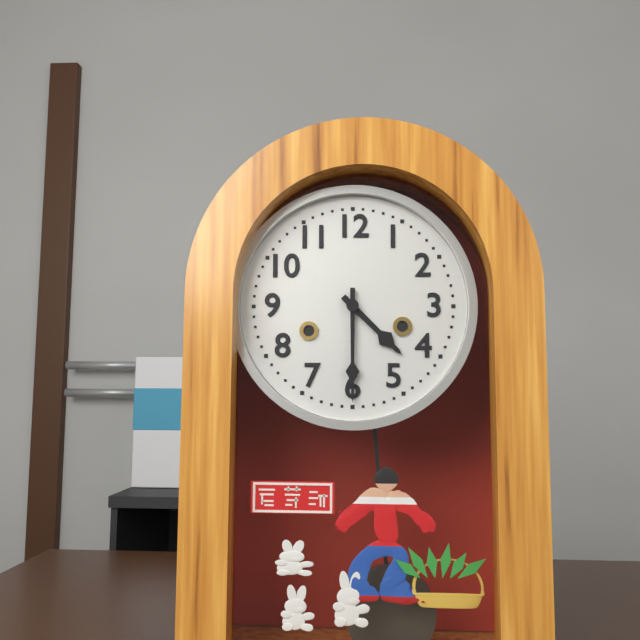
4:30
